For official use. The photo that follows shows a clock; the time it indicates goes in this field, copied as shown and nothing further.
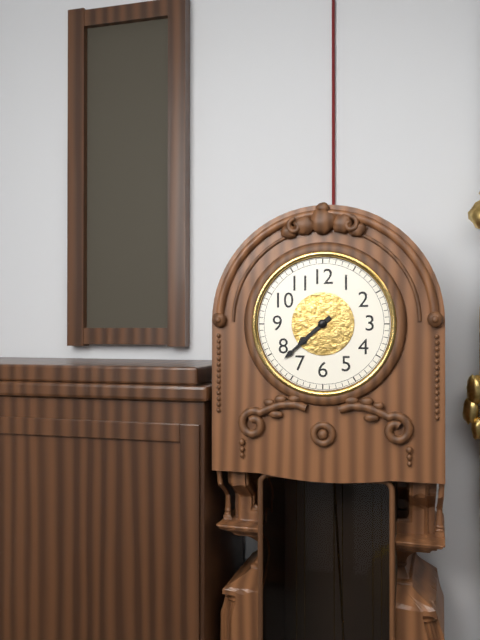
7:38
